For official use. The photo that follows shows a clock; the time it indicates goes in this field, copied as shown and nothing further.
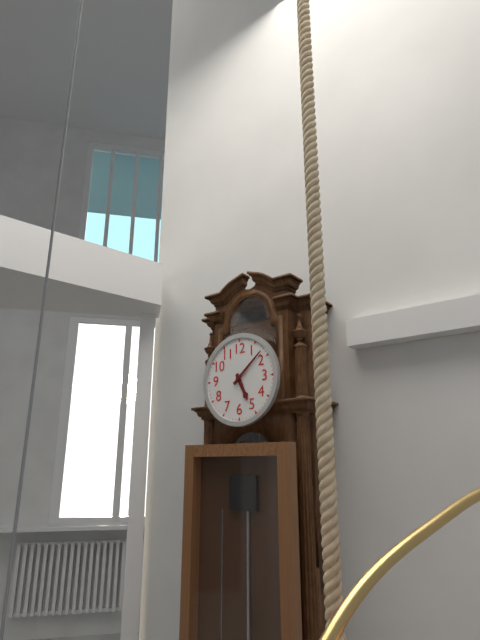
5:08
